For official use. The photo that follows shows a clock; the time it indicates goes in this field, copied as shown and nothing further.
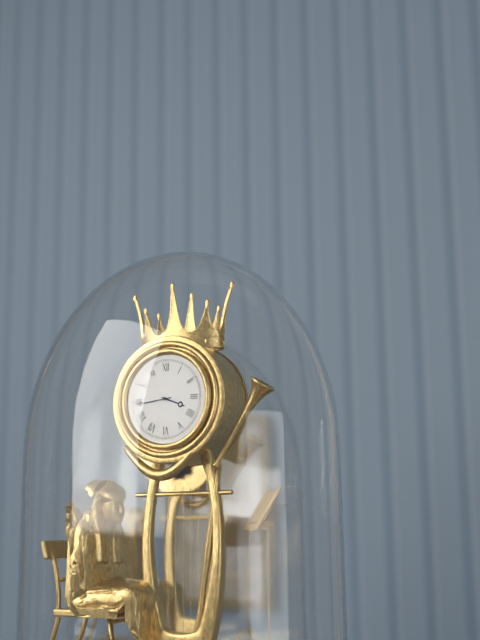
3:44
